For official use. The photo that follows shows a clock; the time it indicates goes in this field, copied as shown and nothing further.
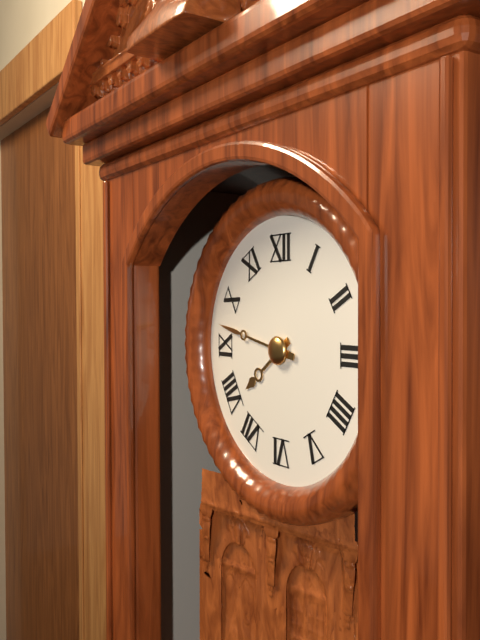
7:47
